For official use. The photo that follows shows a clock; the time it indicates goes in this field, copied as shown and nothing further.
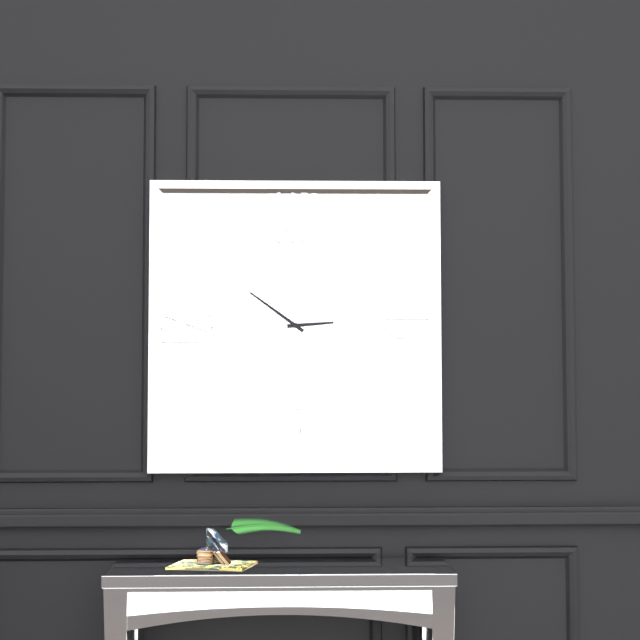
2:51
